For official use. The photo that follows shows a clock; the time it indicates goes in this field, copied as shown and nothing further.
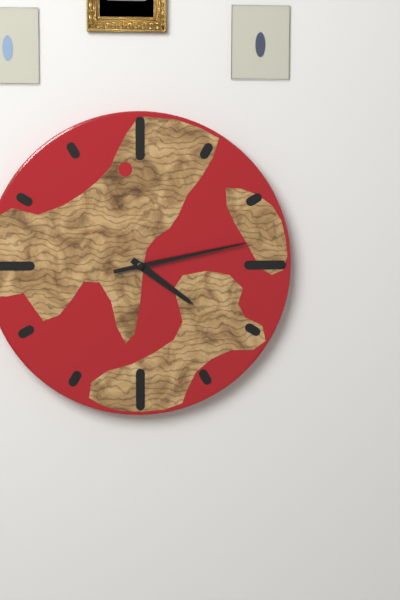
4:13
